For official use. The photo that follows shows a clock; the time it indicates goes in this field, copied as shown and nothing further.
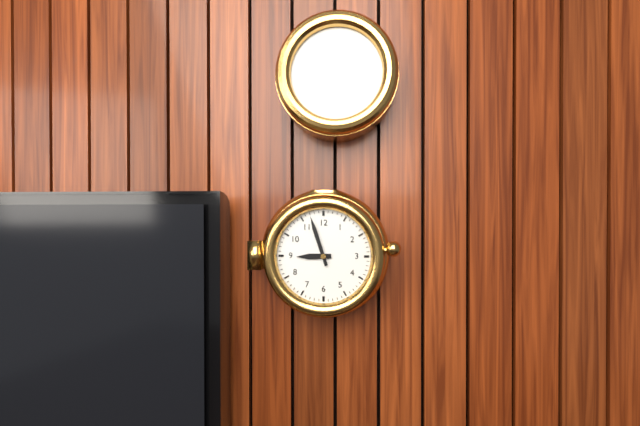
8:57
